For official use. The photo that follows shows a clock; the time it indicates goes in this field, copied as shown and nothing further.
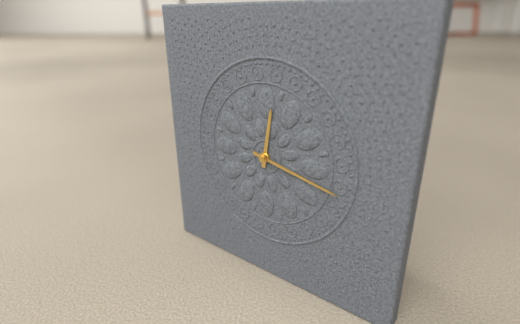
12:17
